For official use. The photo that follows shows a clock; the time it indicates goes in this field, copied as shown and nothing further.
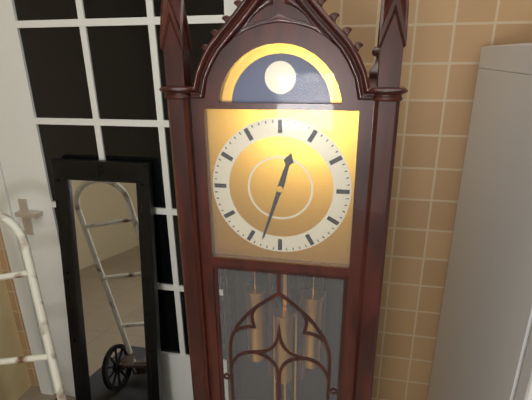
12:33
